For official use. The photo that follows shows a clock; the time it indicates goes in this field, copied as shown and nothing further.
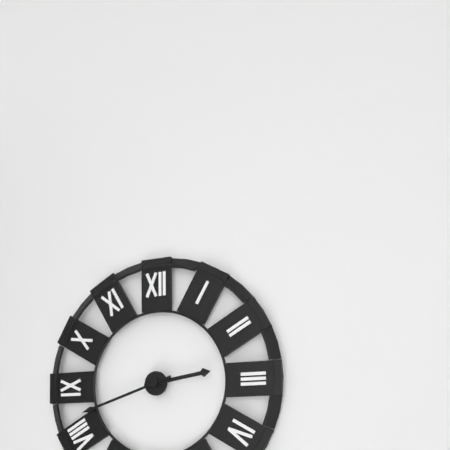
2:42
